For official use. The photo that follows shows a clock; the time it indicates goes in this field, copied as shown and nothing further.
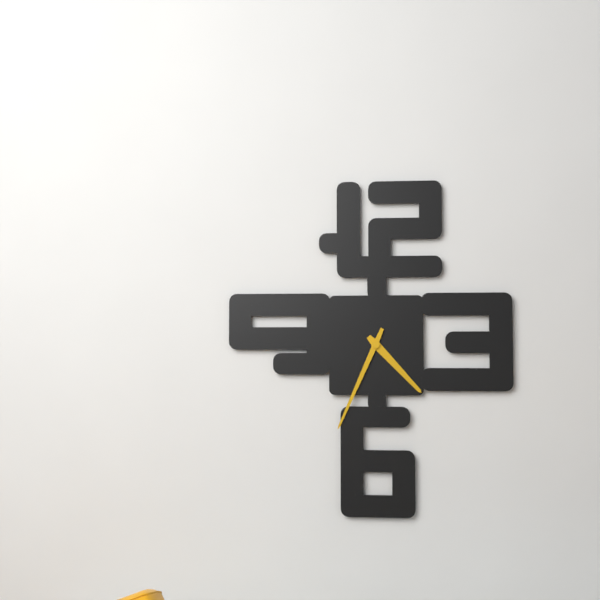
4:34
